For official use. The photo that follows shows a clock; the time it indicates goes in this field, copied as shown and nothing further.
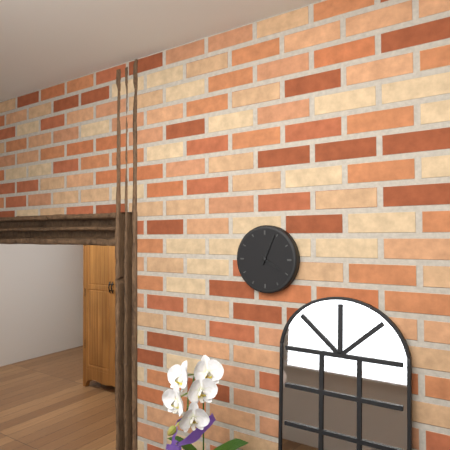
4:04
